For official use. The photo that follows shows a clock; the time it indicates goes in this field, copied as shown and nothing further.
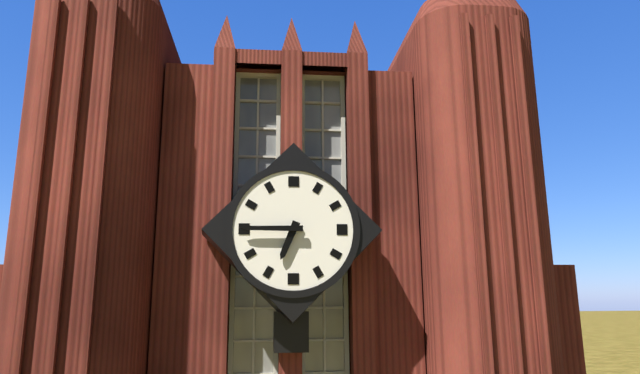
6:45
